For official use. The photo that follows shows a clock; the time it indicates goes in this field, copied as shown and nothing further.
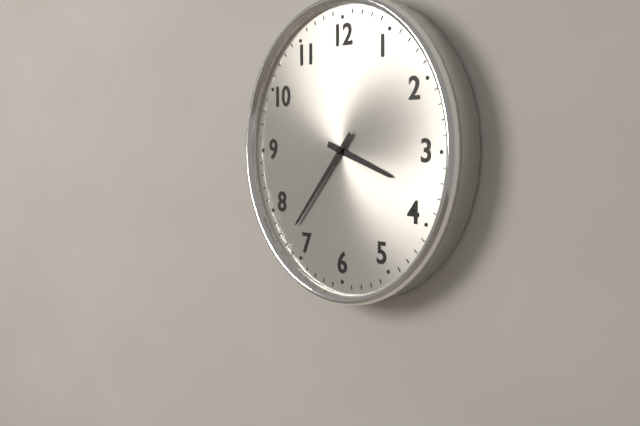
3:37
